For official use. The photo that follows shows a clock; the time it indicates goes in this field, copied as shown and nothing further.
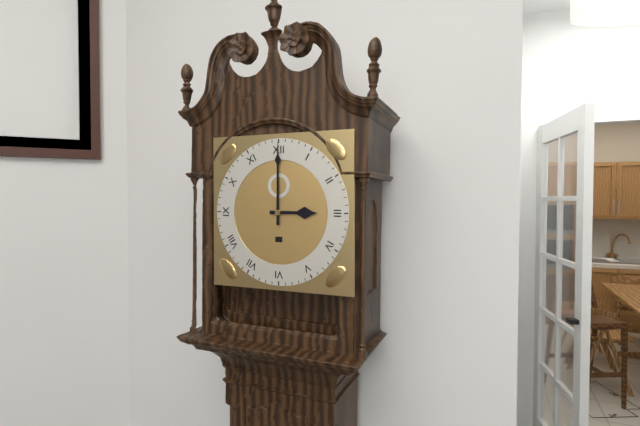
3:00
